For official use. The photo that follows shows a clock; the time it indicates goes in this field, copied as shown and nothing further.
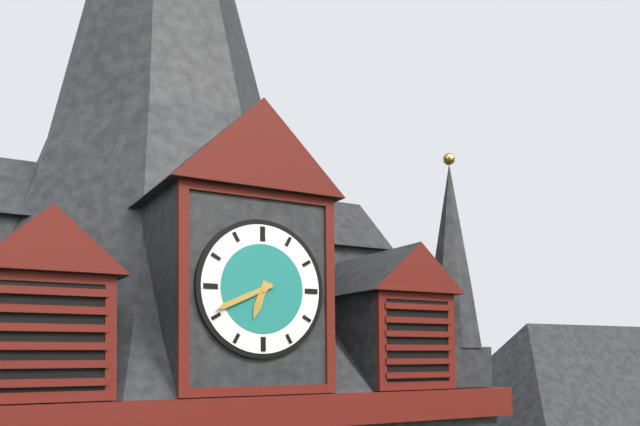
6:41
